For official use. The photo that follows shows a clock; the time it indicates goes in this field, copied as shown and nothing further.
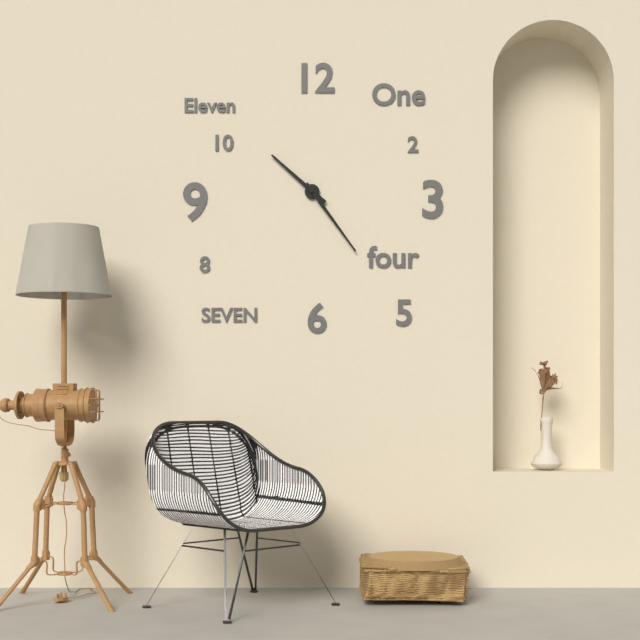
10:24
